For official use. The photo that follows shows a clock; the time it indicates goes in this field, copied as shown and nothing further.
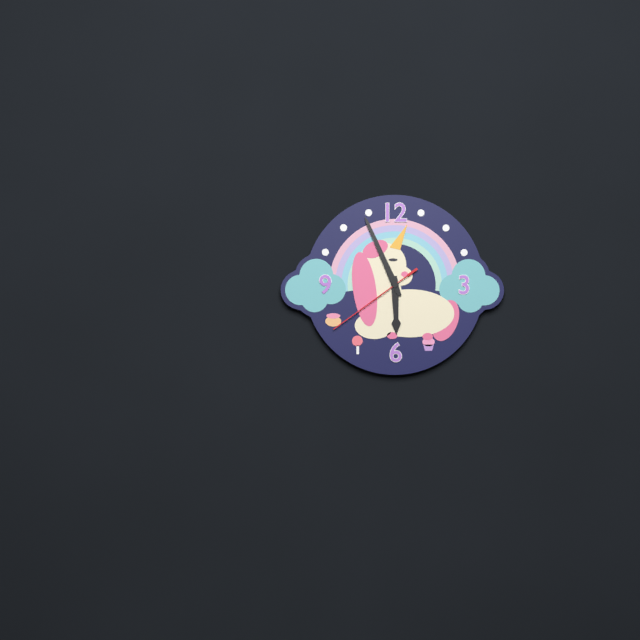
5:56:39
